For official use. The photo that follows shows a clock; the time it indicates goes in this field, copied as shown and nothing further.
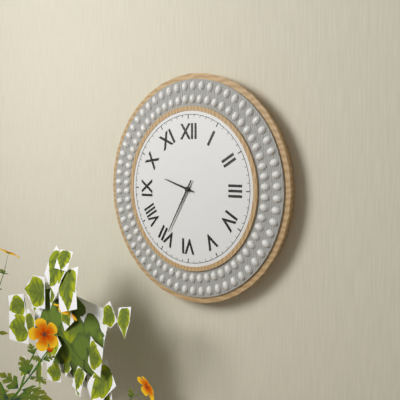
9:35
